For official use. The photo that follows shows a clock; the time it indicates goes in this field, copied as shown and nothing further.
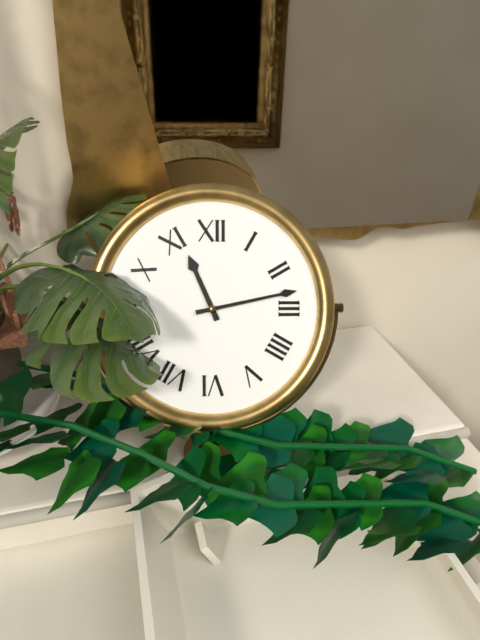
11:13
